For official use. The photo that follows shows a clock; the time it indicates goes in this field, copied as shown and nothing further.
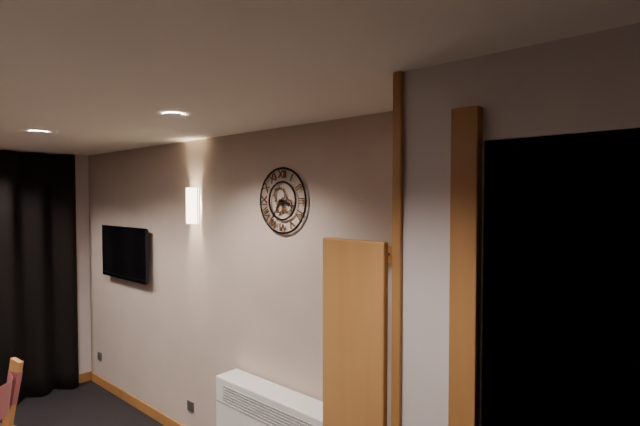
3:36
